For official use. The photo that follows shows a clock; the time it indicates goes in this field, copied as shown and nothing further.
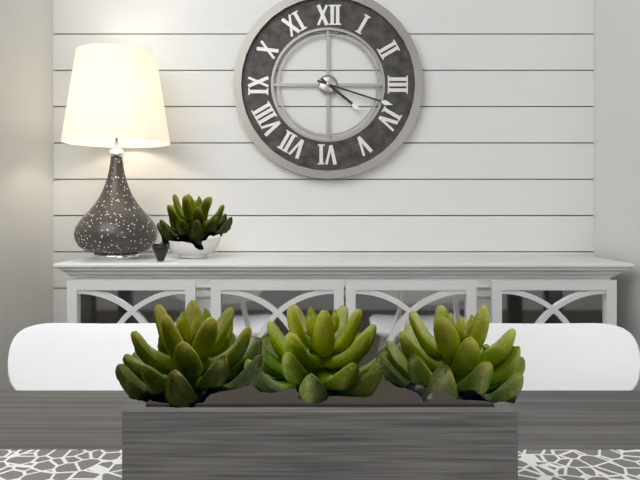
4:18
